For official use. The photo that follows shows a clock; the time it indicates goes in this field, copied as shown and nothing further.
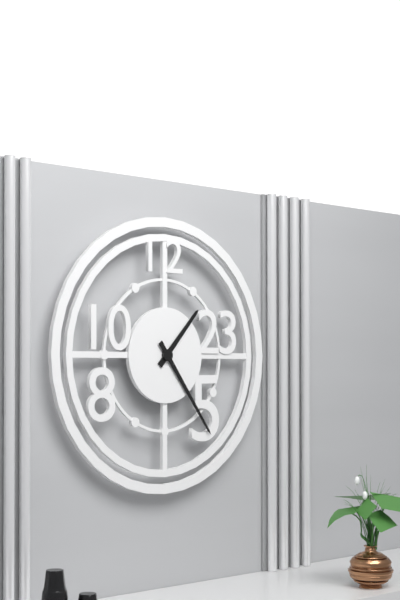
1:24
